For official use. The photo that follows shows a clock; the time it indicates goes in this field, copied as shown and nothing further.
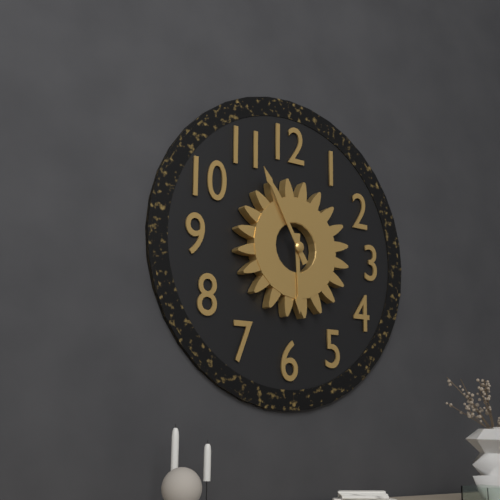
5:55
